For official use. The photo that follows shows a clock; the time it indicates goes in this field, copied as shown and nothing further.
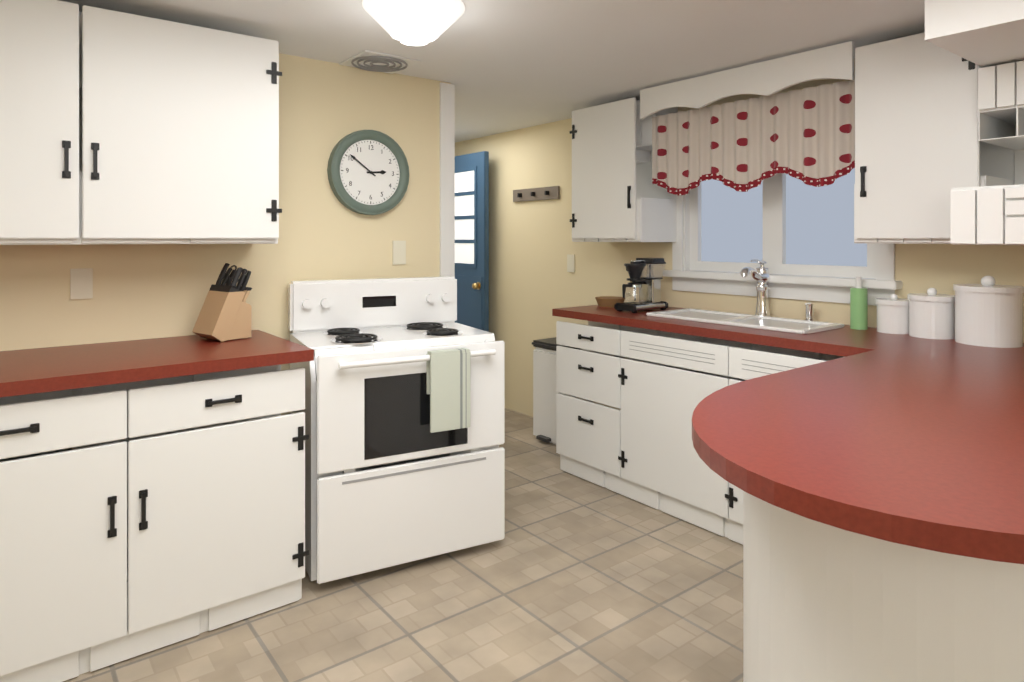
2:51
